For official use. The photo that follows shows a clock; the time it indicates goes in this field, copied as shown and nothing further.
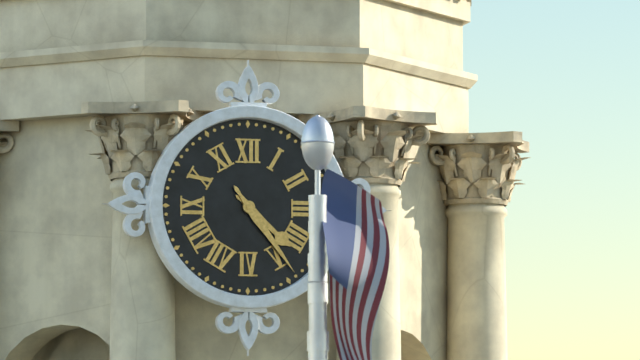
4:24
